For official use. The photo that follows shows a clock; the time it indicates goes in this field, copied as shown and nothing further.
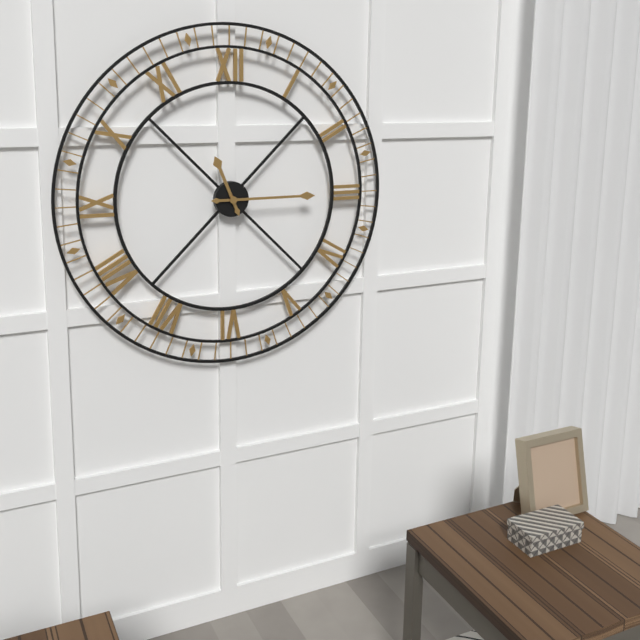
11:15
